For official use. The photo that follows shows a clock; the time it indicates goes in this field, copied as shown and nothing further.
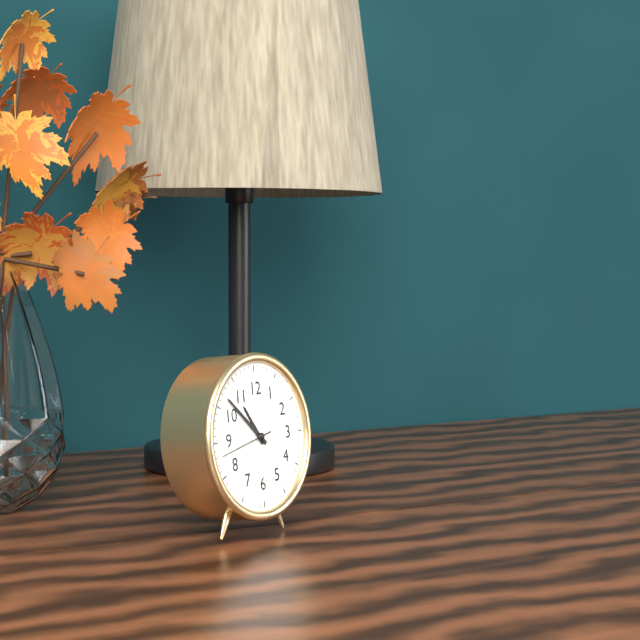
10:52:43
